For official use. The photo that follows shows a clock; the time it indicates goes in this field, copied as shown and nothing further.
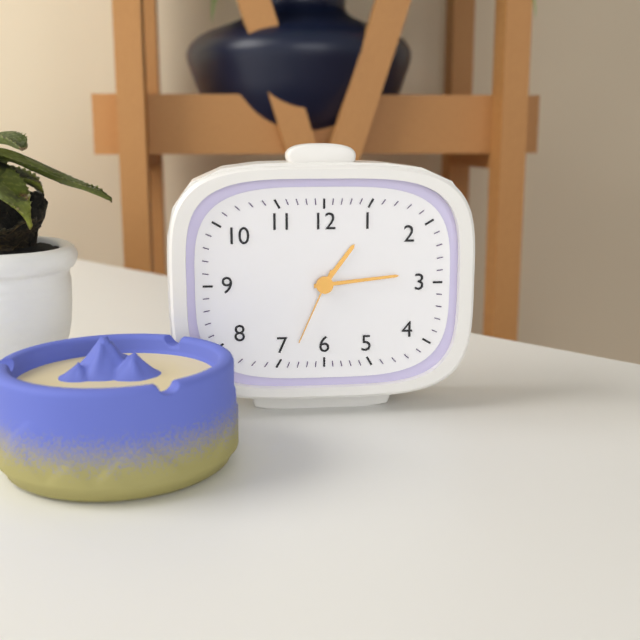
1:14:34
